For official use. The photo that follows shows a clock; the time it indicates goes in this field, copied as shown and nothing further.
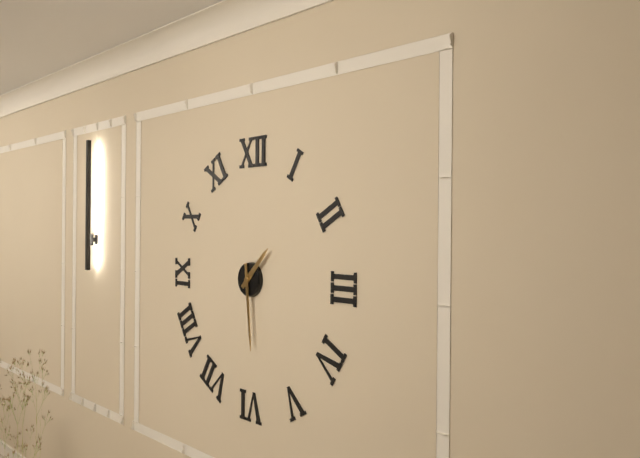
1:29
